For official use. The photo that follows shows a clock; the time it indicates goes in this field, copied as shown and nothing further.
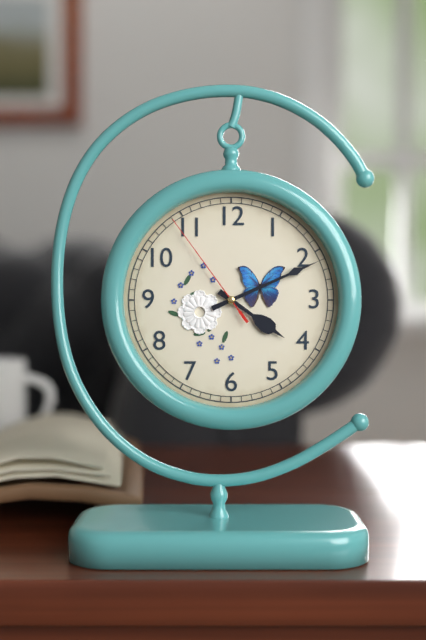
4:11:54
